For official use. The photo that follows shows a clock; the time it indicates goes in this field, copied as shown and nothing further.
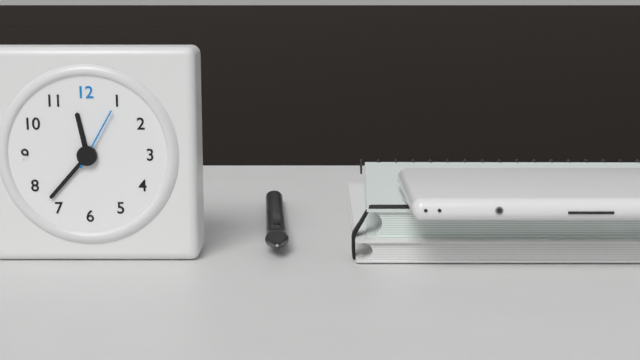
11:37:05
